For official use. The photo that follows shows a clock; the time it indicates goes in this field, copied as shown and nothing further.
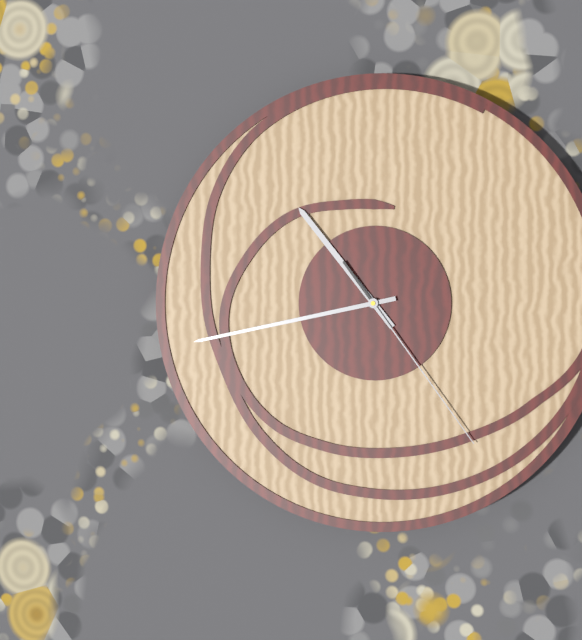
10:43:24
